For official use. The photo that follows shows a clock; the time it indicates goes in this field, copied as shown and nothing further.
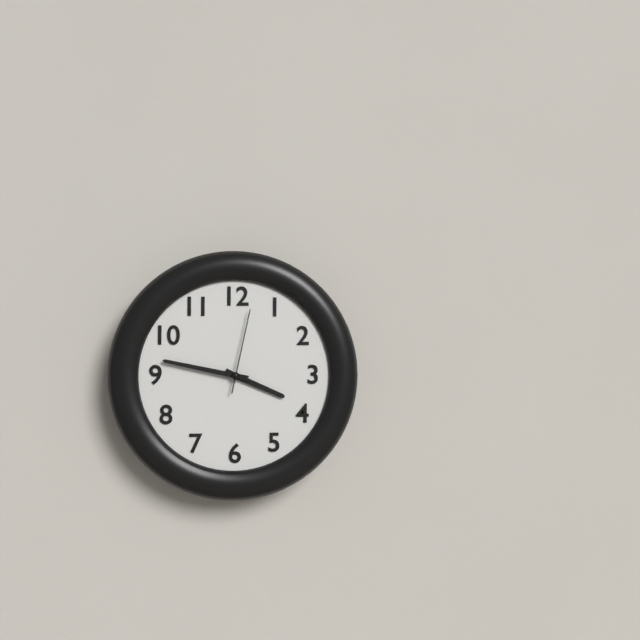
3:47:02
